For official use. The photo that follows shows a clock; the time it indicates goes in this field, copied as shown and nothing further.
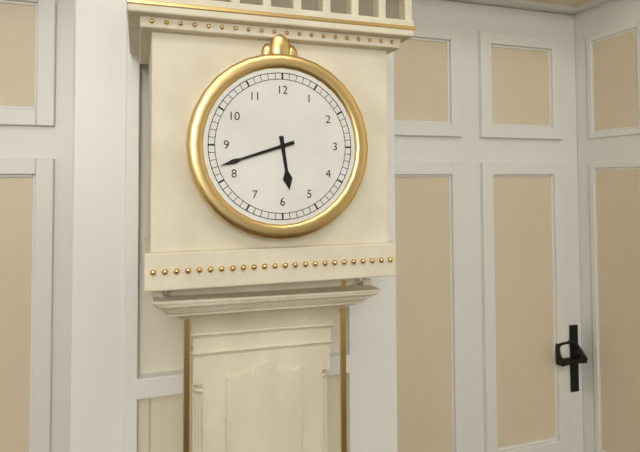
5:42
